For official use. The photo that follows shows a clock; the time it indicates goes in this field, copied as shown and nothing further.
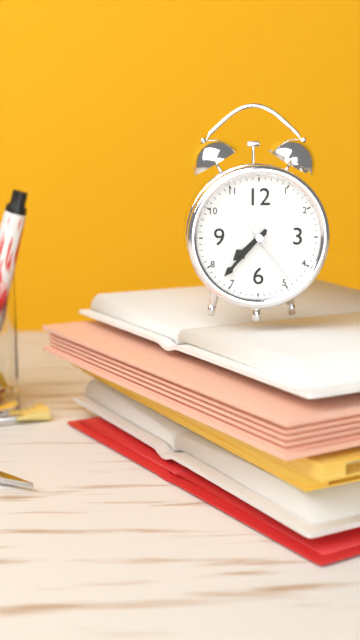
7:37:24
